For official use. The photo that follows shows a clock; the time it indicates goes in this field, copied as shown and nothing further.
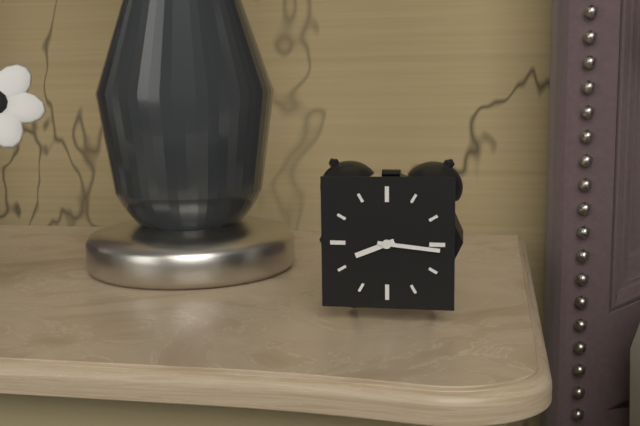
8:16
